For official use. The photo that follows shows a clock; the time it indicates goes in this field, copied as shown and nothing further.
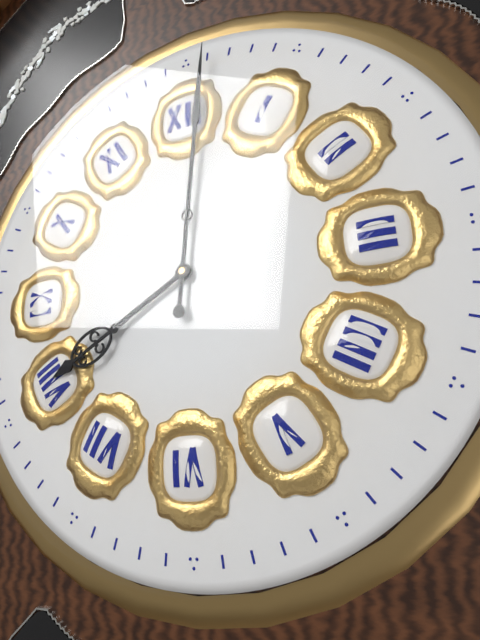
8:01
